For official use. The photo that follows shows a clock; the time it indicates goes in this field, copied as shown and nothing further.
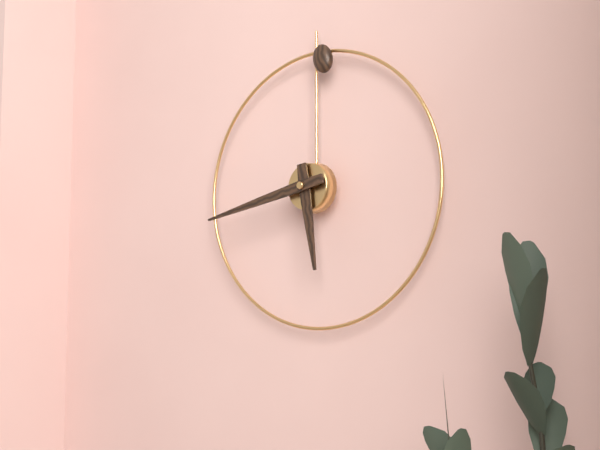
5:43
